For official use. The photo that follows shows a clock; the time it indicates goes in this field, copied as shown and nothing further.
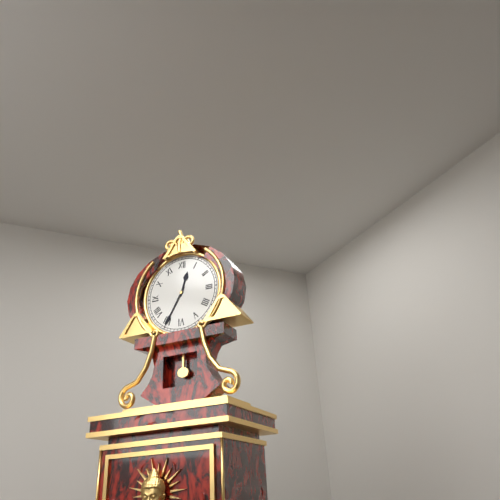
12:35
